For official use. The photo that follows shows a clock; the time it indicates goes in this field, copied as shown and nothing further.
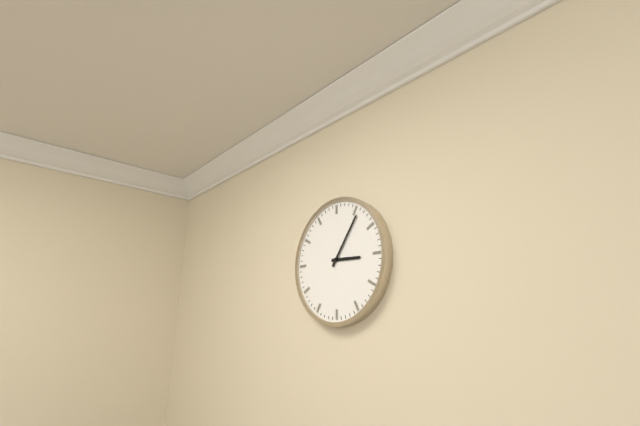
3:06
